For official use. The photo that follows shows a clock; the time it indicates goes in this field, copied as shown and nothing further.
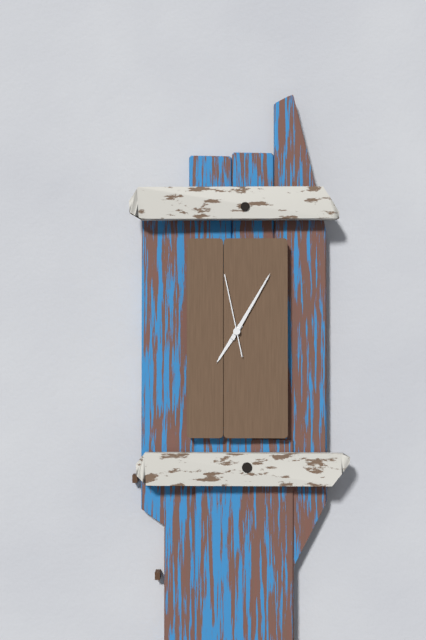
7:05:58
